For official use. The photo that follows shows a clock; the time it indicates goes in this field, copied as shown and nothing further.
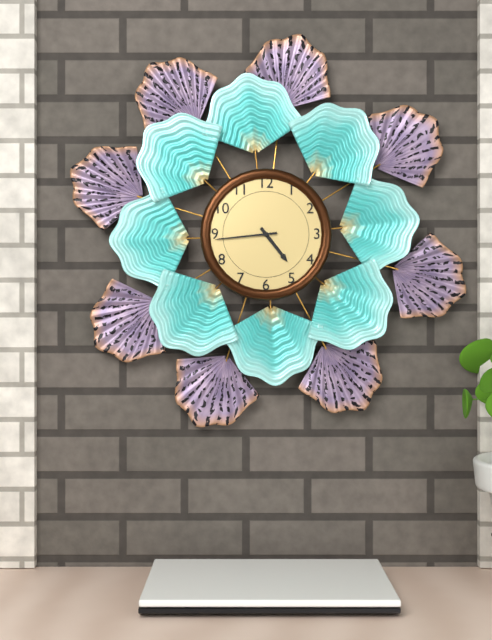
4:44
